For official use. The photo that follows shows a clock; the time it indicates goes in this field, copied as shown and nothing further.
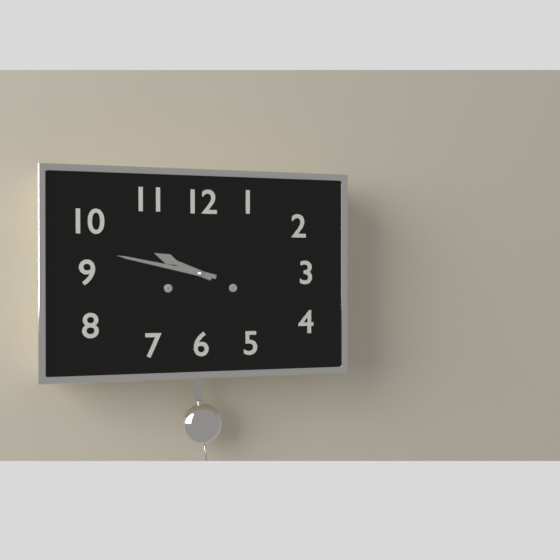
9:47
